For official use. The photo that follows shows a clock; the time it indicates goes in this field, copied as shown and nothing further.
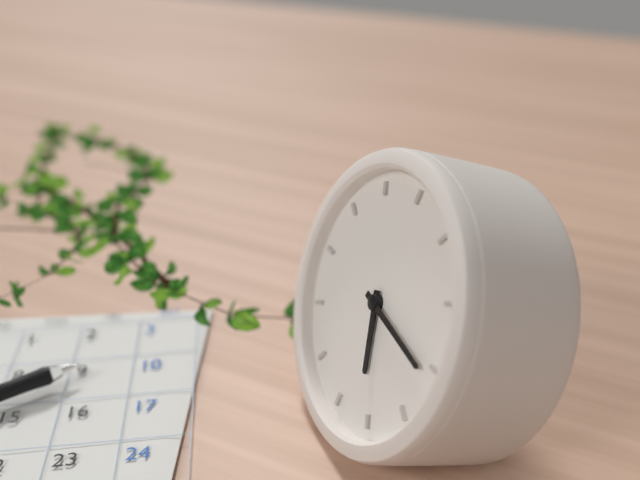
5:16
